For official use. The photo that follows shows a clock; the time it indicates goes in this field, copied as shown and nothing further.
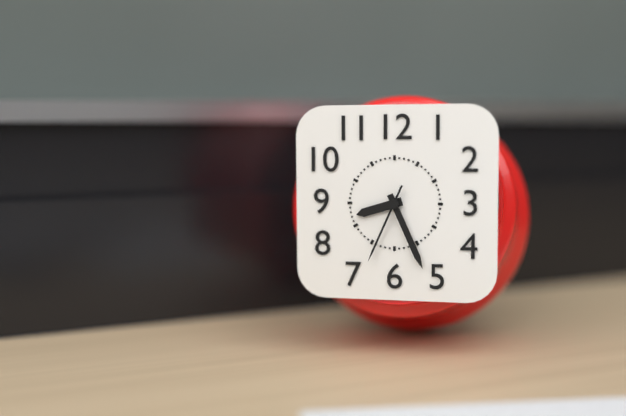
8:26:34
